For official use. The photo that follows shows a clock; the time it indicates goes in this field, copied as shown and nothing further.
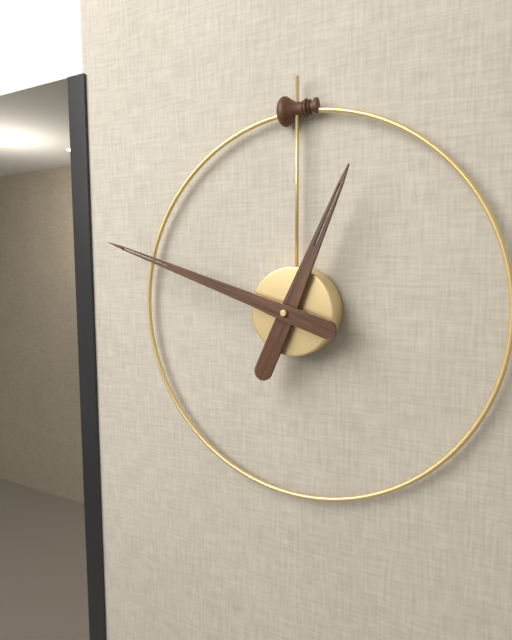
12:48
